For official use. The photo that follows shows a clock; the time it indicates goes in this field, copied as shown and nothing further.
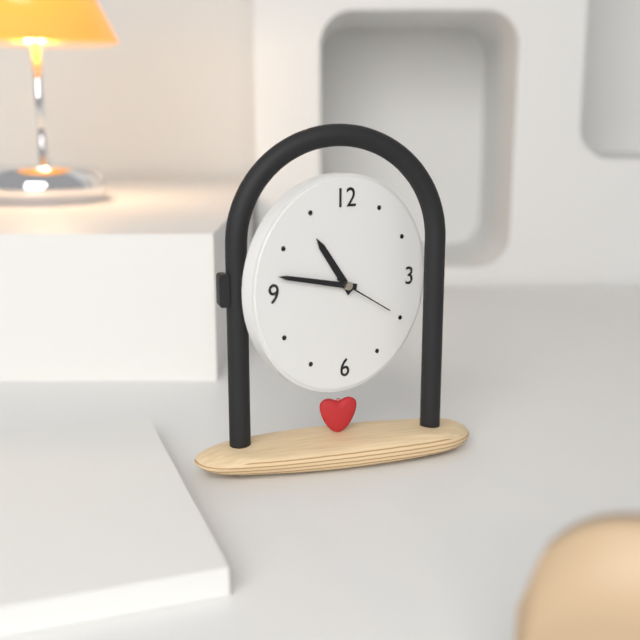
10:47:20
